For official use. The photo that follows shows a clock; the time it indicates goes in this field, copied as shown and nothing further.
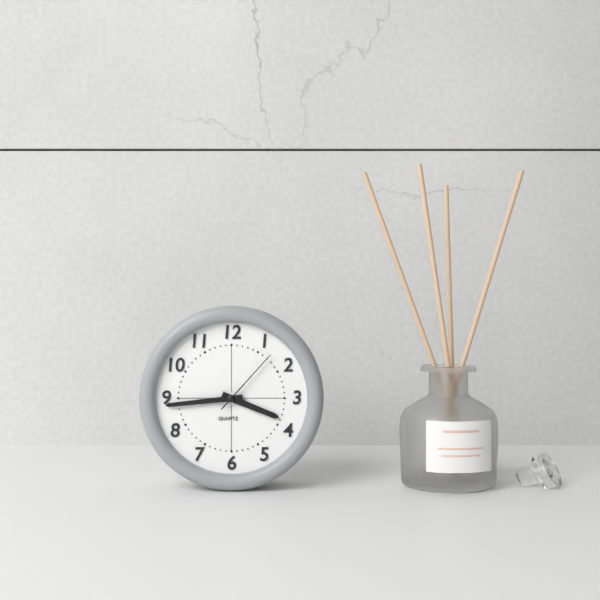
3:44:07
